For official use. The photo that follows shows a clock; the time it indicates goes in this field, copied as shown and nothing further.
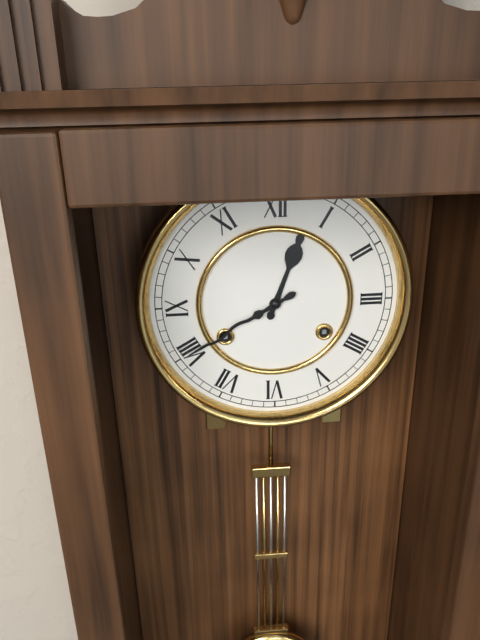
12:40
